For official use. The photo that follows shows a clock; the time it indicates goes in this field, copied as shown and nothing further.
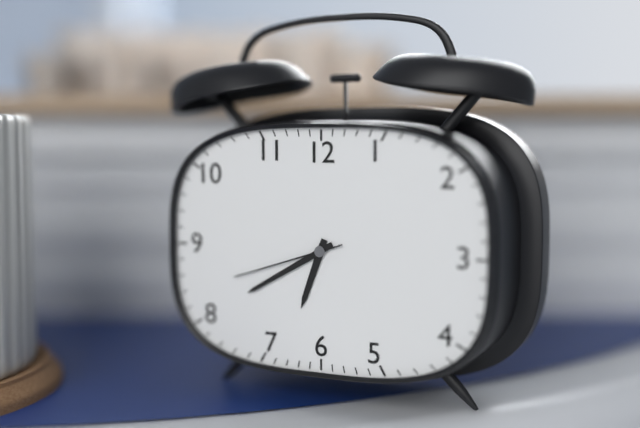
6:40:42
